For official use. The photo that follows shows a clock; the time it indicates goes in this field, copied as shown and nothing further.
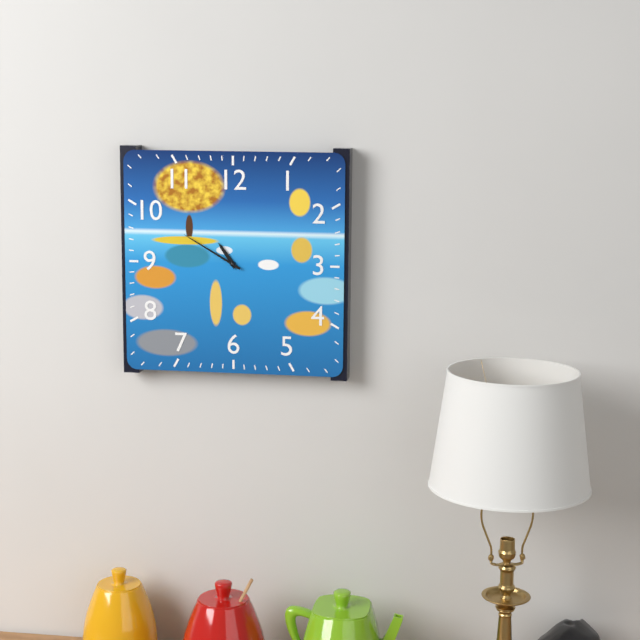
10:50
